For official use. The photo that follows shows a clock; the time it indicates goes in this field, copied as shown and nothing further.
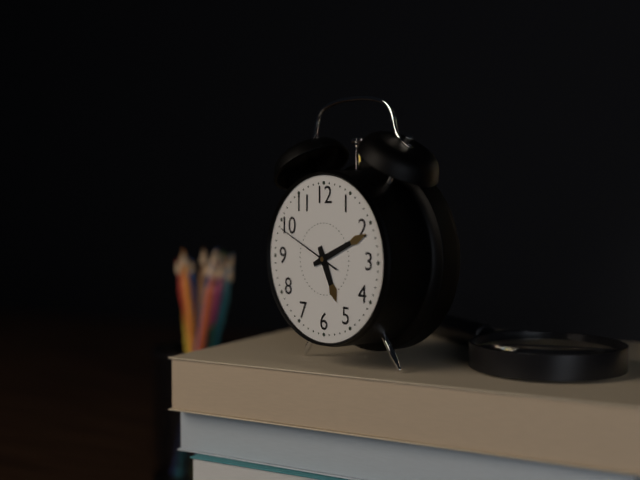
5:11:49
